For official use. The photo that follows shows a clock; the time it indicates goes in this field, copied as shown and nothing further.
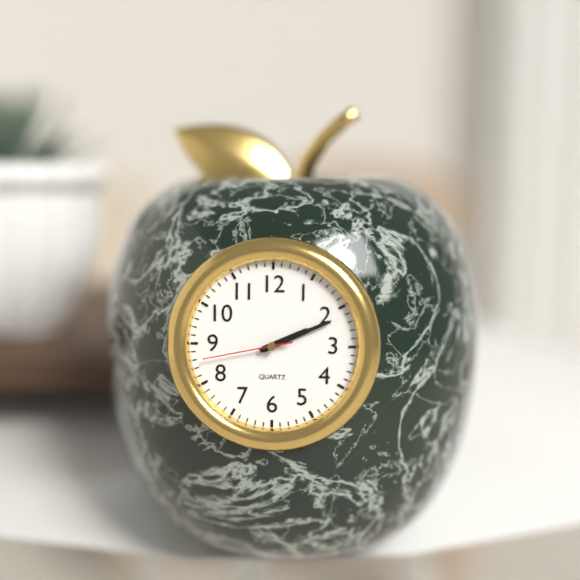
2:11:43
